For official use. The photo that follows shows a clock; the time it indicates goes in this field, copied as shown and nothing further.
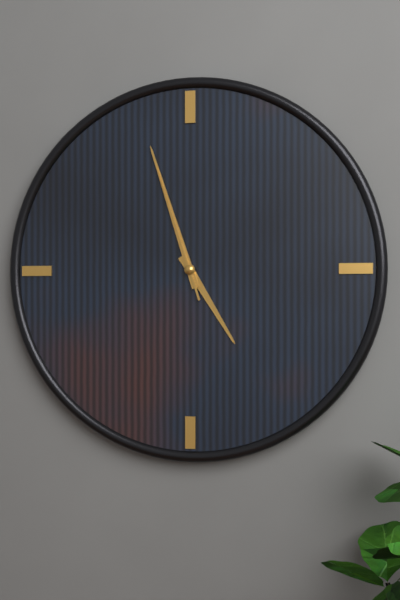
4:57:57
